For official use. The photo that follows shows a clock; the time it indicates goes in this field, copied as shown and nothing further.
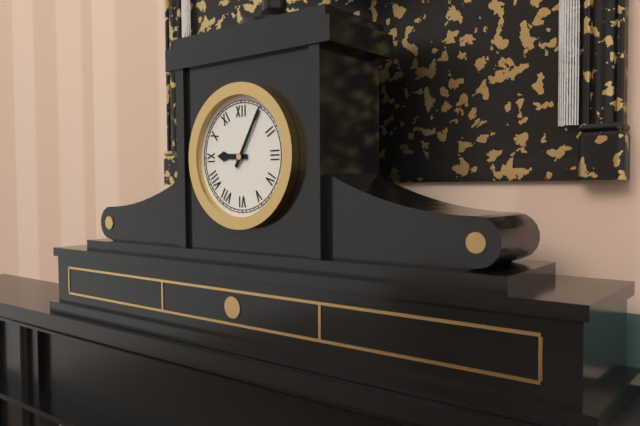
9:05
